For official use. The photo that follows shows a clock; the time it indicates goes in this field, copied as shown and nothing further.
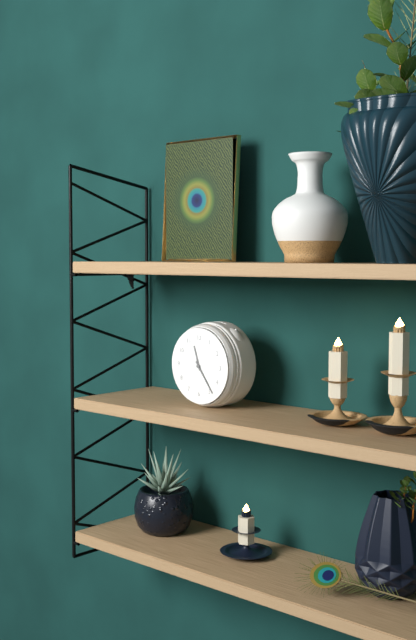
11:24
